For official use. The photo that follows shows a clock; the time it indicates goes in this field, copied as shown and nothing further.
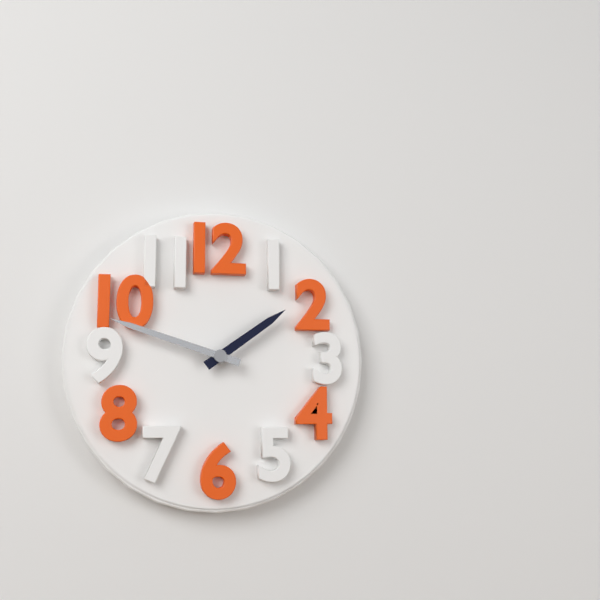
1:48
